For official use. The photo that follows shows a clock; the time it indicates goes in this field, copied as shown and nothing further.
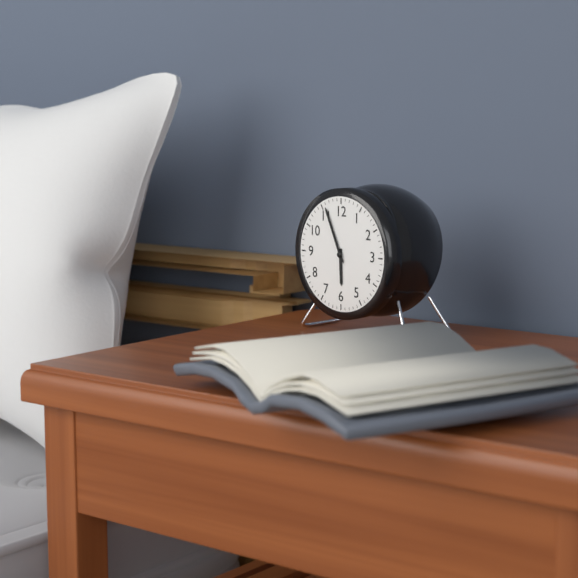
5:56
